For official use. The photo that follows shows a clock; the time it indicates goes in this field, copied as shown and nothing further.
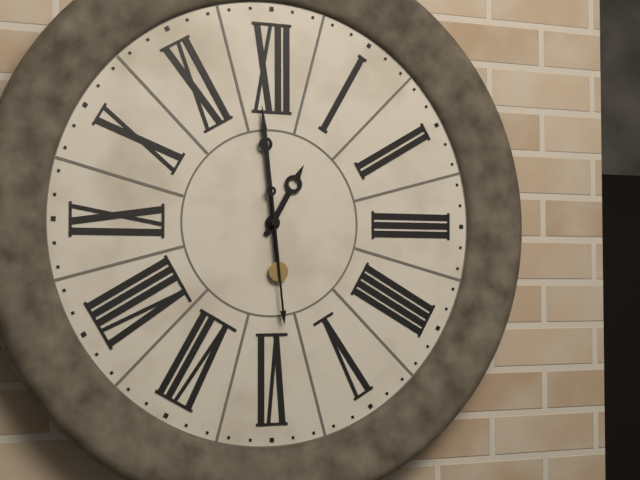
12:59:29
